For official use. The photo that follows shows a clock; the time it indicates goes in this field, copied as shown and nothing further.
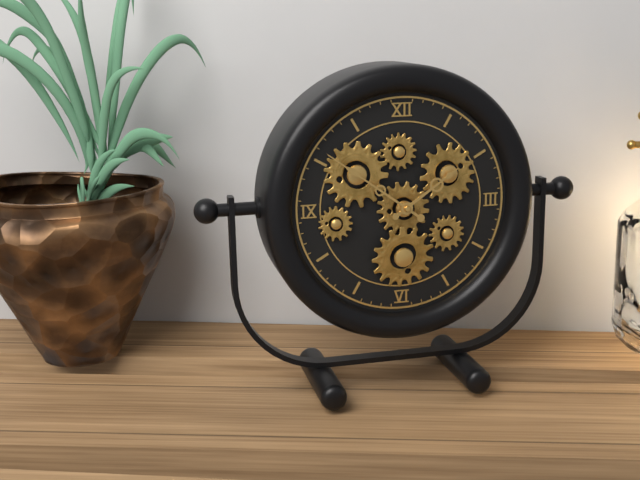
1:51
